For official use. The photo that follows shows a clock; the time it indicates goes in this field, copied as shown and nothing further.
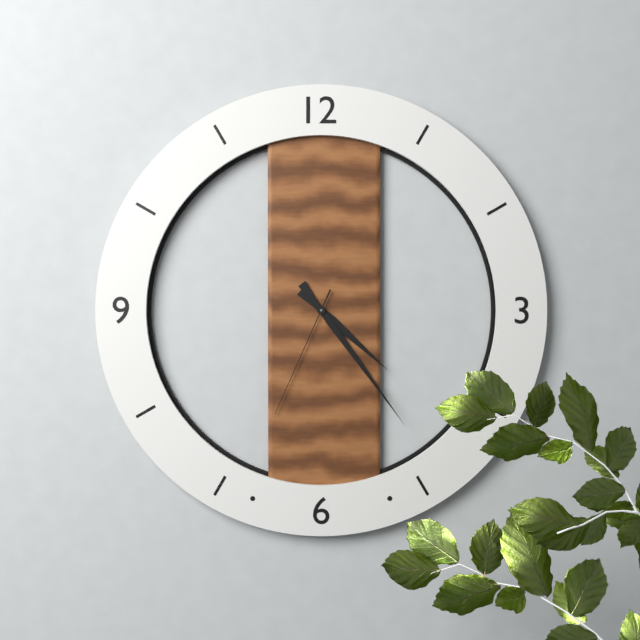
4:24:34
